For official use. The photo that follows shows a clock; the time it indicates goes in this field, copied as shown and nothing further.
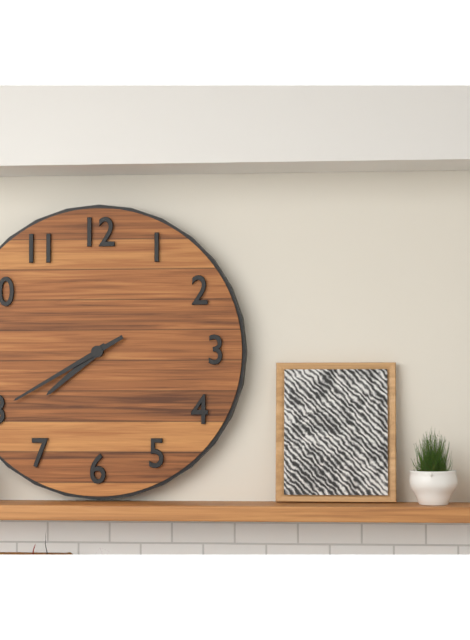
7:40
